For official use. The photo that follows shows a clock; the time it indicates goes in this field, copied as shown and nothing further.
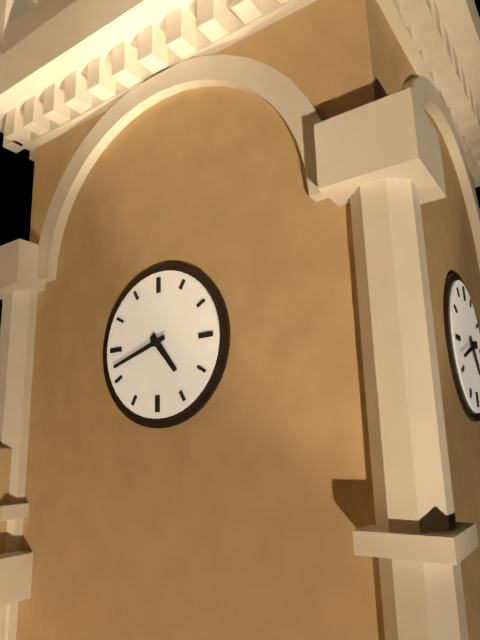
4:42
